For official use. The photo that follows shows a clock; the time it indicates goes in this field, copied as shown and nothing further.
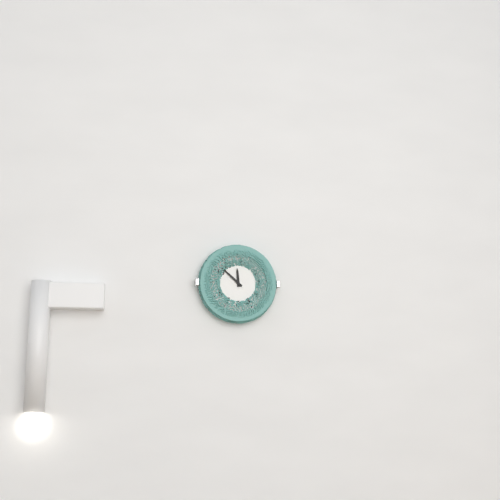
11:52
